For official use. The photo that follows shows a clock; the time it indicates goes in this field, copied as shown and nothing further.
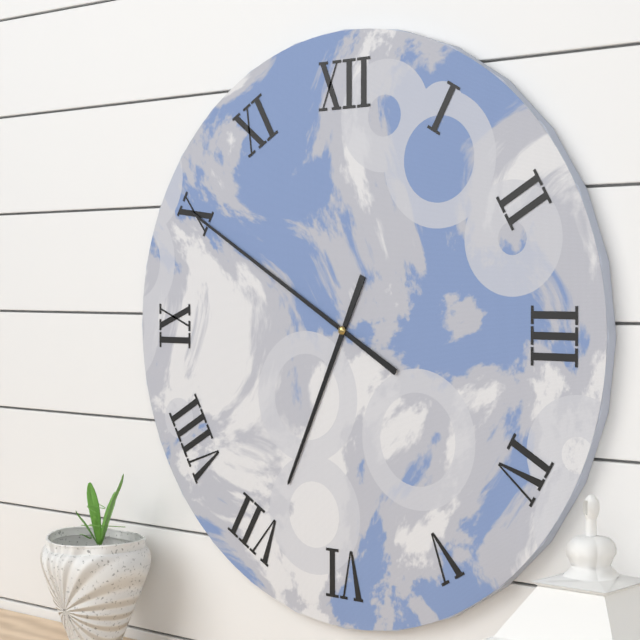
6:50
